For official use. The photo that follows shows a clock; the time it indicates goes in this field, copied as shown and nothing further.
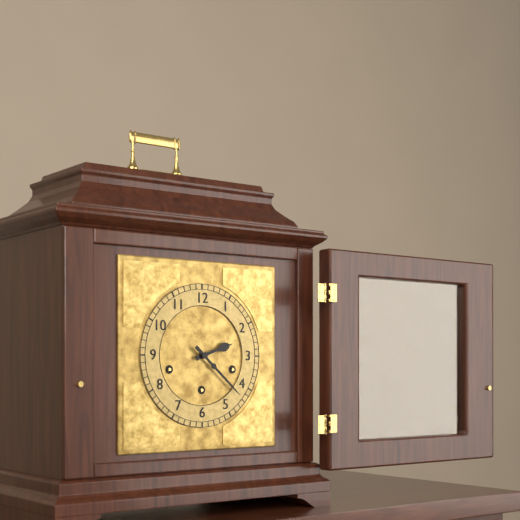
2:22
